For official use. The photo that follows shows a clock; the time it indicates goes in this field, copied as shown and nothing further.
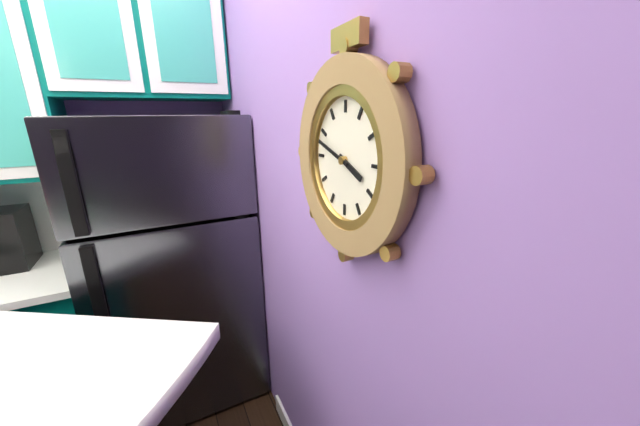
3:48
